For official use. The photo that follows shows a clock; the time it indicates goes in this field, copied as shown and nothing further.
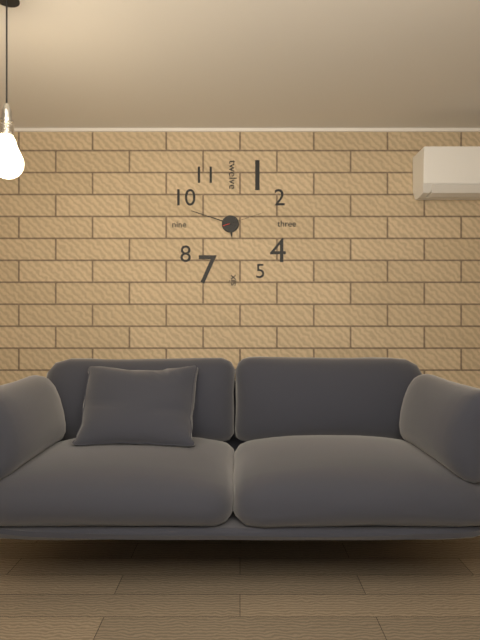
5:48
